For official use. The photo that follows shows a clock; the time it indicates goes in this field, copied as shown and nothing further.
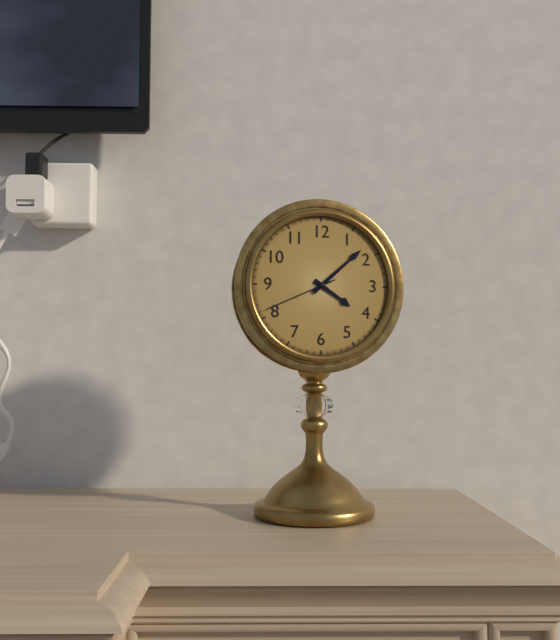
4:08:41
